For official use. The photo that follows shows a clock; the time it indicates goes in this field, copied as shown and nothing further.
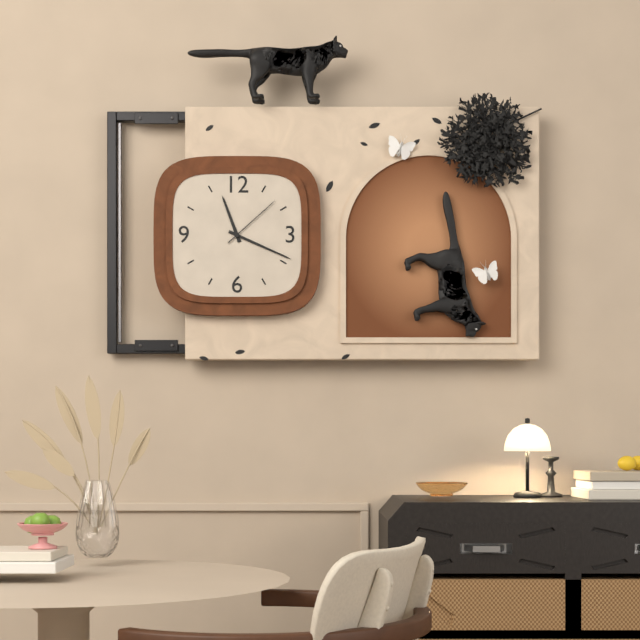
11:19:08
